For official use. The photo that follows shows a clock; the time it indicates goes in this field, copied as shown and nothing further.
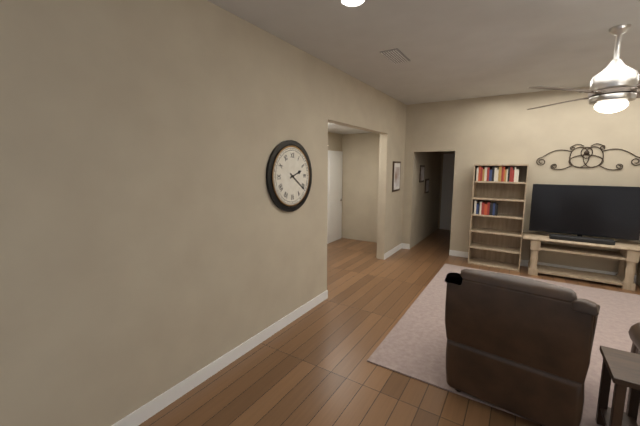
2:21
